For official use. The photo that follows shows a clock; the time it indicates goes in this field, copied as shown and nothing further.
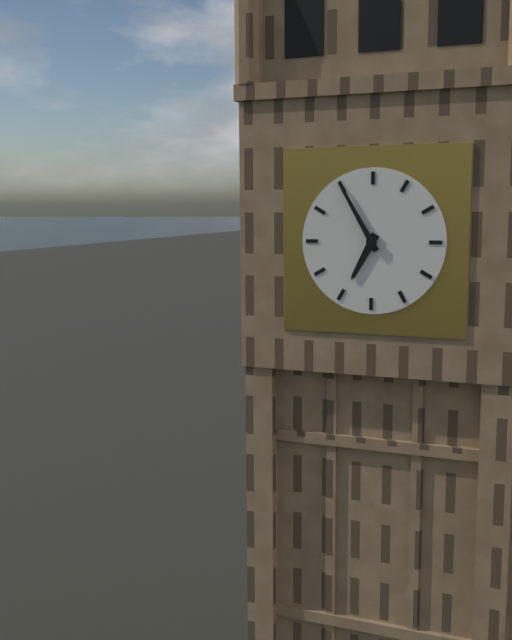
6:55
